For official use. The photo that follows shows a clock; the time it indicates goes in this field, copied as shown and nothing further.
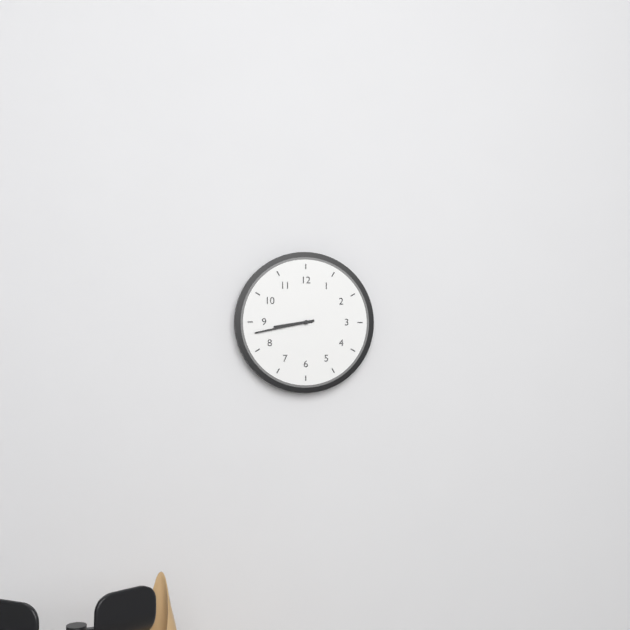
8:43
